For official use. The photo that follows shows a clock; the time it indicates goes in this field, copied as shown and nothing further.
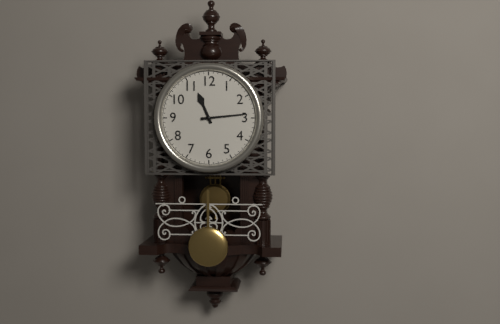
11:14
